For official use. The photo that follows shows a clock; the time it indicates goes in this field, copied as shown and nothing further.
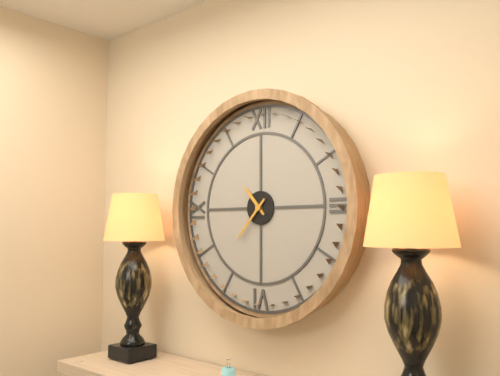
10:37
